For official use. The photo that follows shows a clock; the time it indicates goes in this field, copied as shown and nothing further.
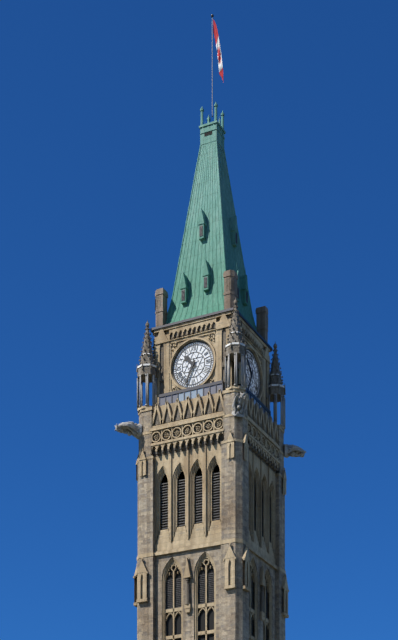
10:34
